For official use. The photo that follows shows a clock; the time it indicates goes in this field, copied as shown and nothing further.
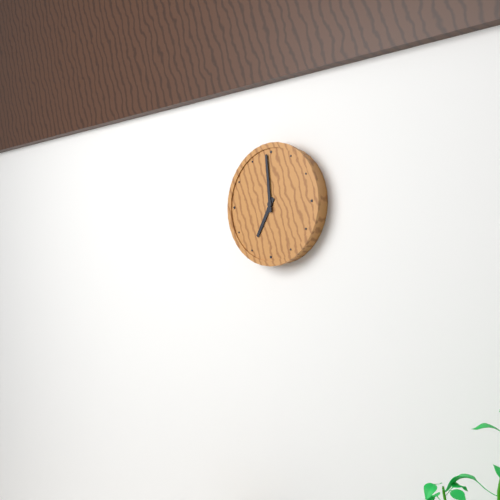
6:59
